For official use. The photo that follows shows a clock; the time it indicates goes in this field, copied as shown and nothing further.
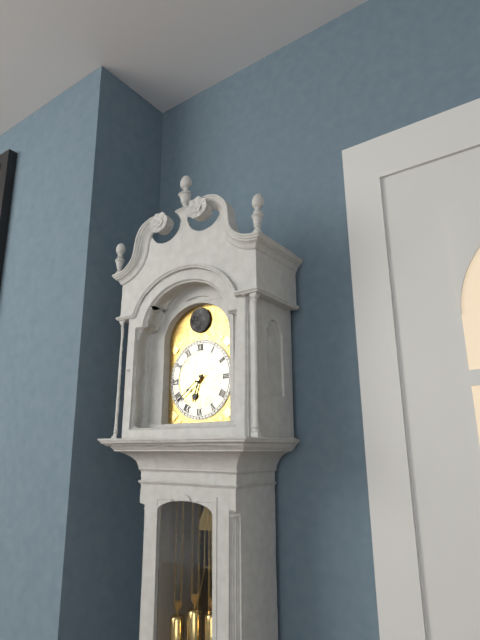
6:39
